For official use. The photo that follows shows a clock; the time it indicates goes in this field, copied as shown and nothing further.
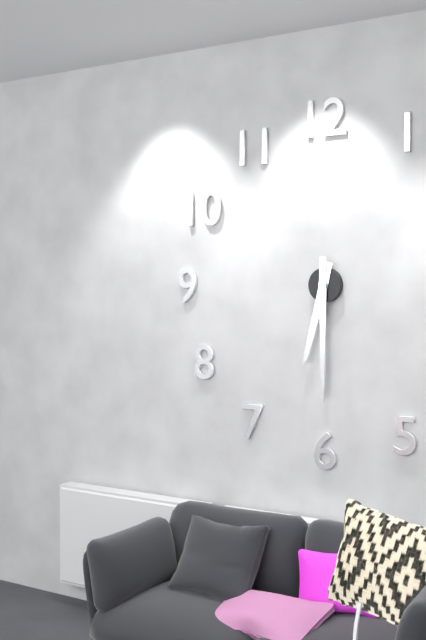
6:30
